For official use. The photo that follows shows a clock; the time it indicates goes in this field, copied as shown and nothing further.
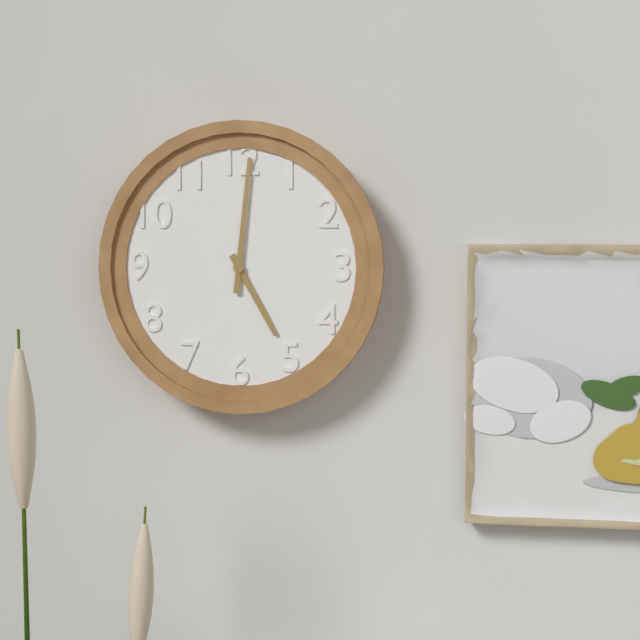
5:01
